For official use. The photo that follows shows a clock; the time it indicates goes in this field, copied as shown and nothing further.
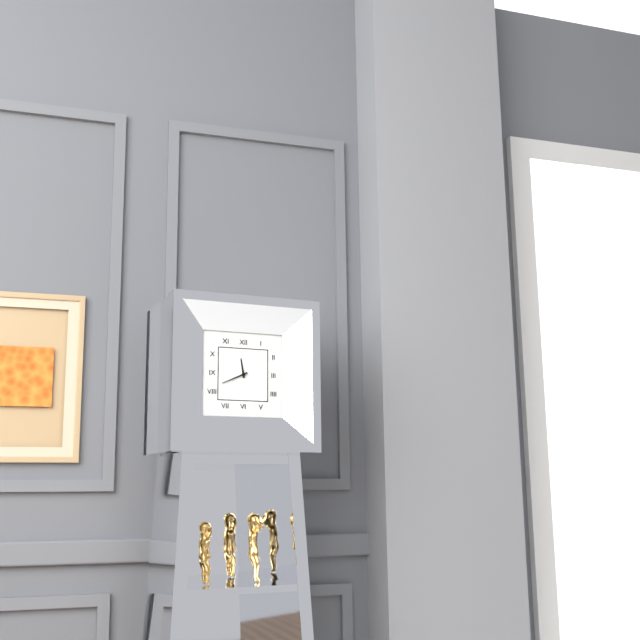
11:41
